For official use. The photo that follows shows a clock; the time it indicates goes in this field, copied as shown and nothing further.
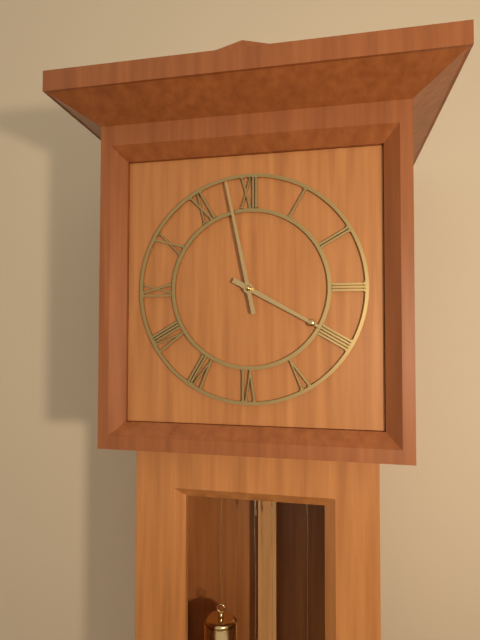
3:58
